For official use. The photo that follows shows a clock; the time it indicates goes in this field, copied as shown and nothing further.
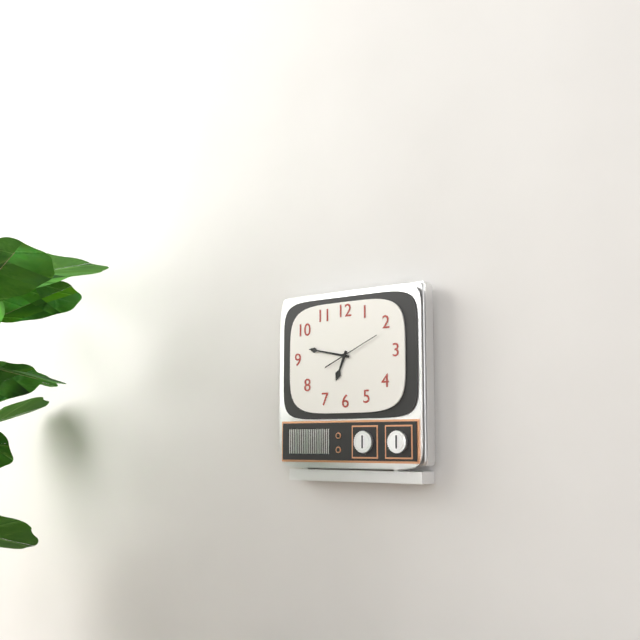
6:47
